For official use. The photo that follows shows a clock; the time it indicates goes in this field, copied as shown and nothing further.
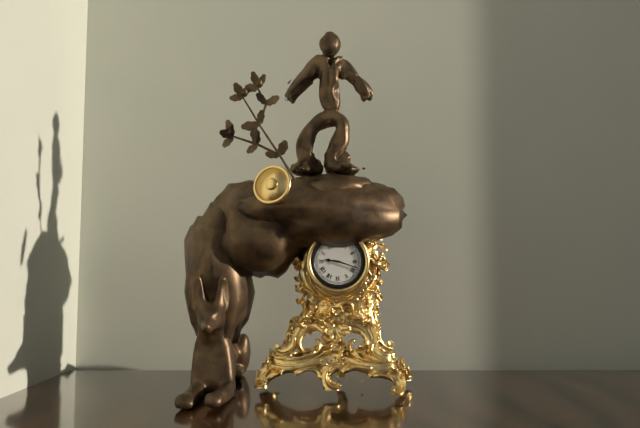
9:18
